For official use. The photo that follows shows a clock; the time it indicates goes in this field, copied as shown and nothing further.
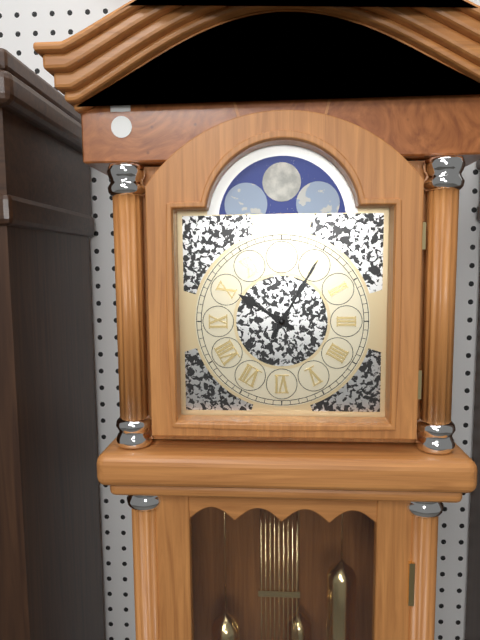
10:05
